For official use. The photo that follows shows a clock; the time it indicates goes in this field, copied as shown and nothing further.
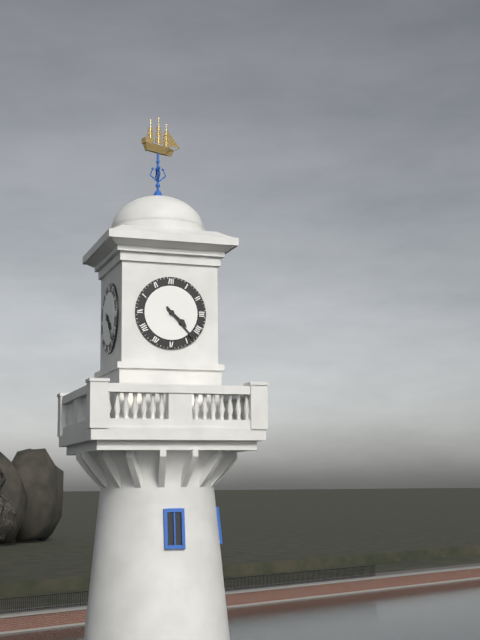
4:23
